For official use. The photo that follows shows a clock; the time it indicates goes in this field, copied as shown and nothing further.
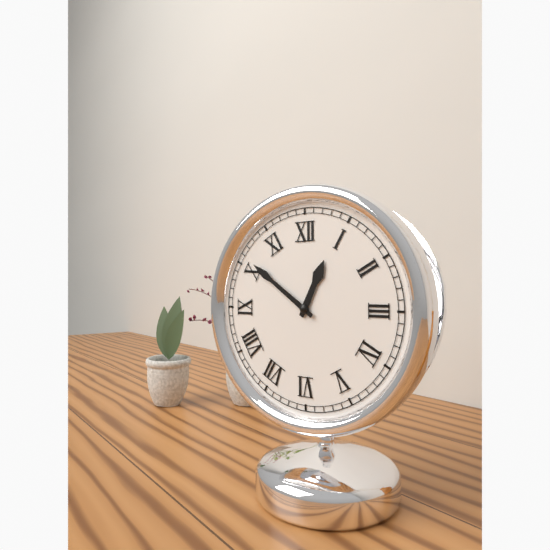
12:51
